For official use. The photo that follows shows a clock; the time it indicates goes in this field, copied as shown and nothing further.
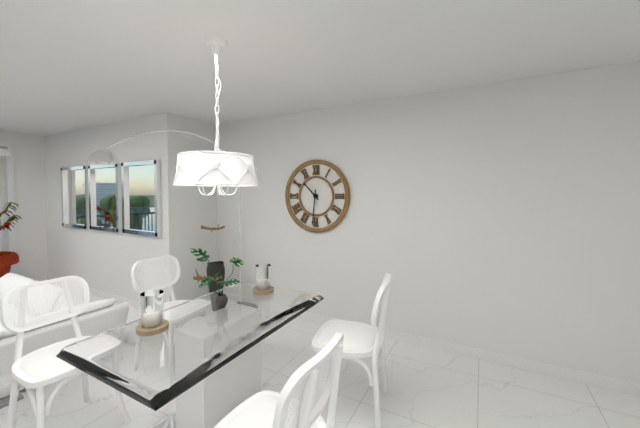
10:31
